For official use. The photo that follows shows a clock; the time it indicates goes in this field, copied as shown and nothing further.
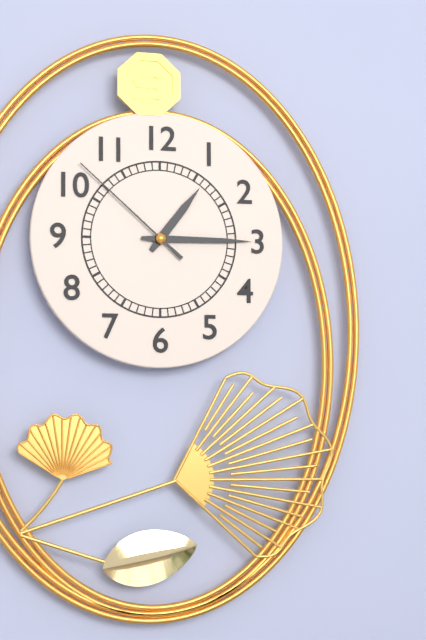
1:15:52
